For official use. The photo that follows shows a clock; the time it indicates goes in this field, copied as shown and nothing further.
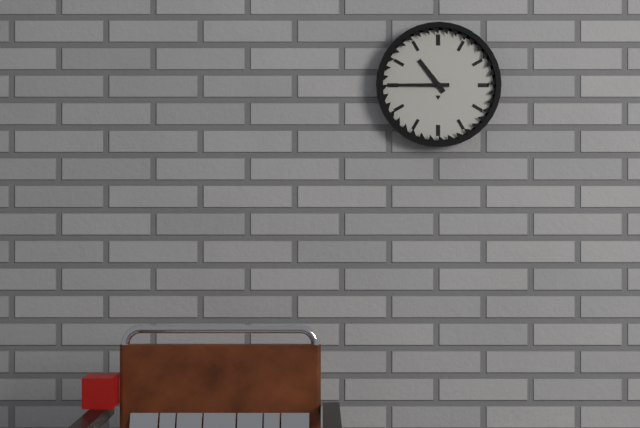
10:45
